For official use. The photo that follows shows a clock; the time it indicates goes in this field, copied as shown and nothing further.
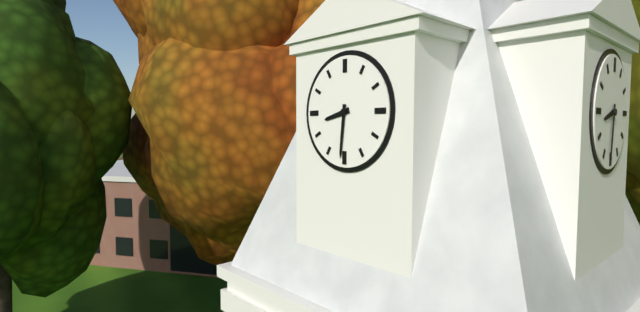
8:31
